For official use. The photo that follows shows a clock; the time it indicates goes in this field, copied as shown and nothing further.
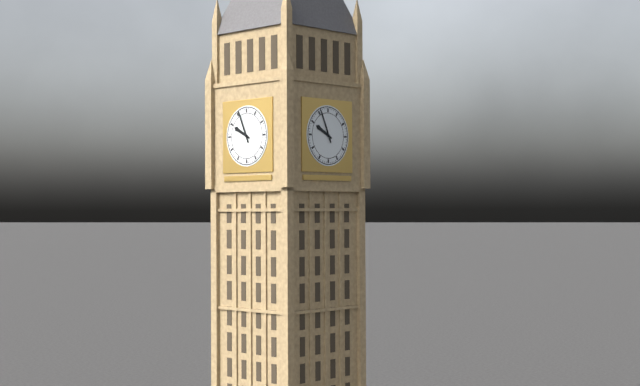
9:56
